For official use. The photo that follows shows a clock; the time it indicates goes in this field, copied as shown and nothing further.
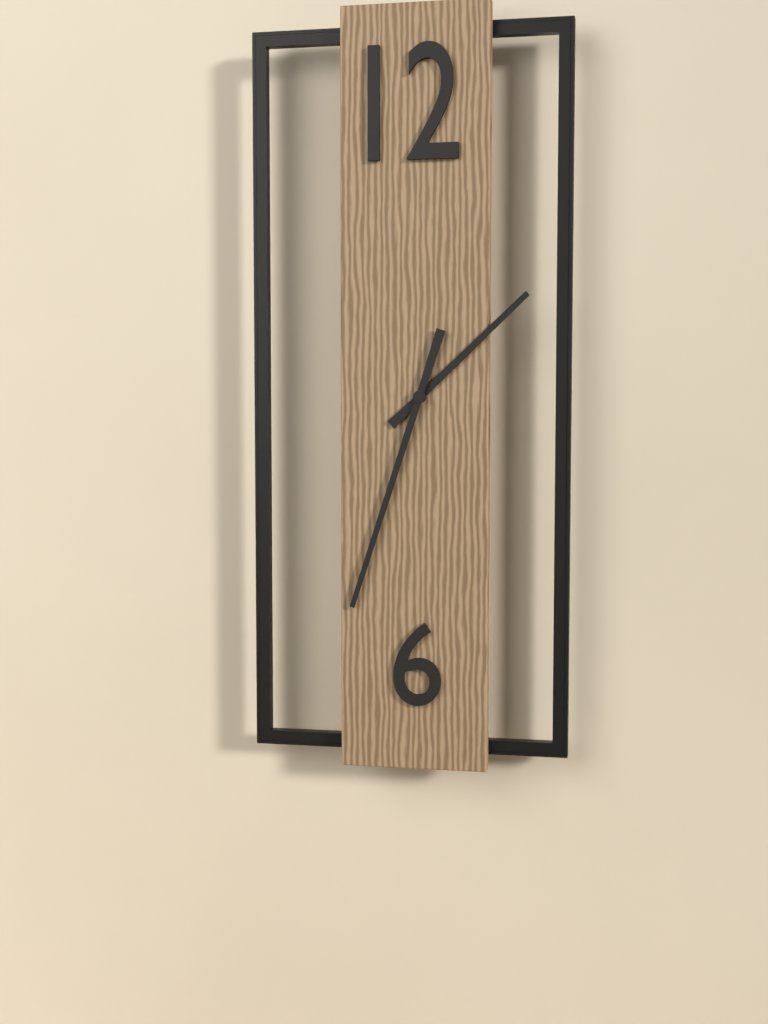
1:33
